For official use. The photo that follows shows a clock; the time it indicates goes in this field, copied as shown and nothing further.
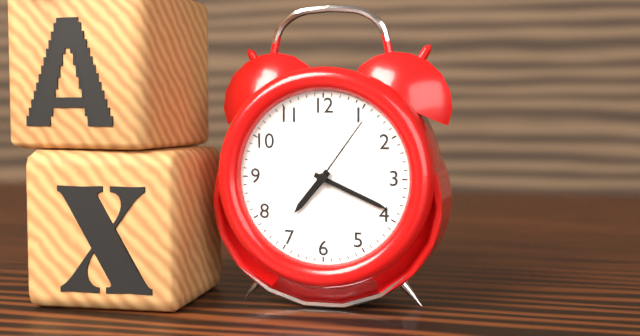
7:19:06
